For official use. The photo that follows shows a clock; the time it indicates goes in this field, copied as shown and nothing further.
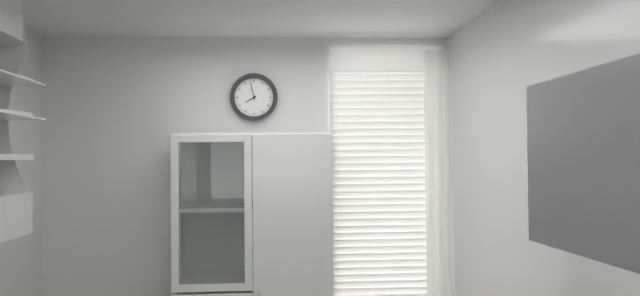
7:58
